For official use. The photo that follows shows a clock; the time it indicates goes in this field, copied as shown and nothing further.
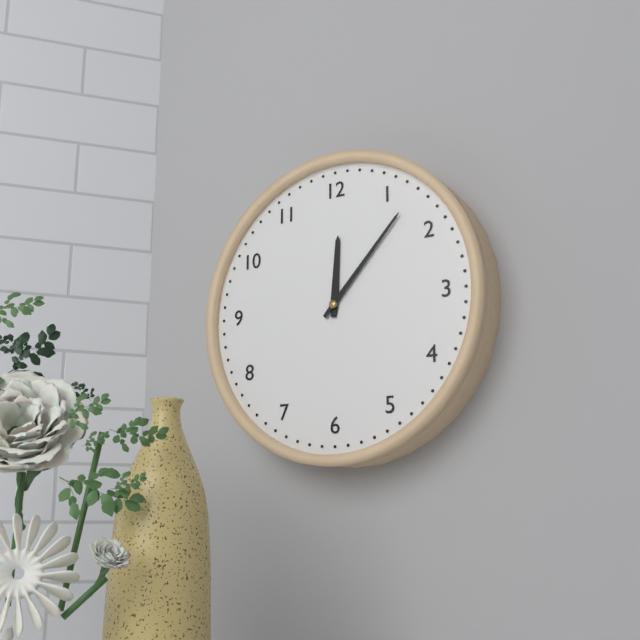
12:07
